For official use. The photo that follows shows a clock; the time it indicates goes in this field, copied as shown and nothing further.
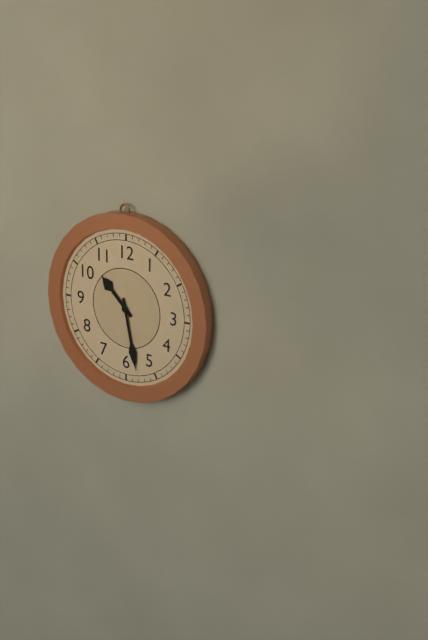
10:28
